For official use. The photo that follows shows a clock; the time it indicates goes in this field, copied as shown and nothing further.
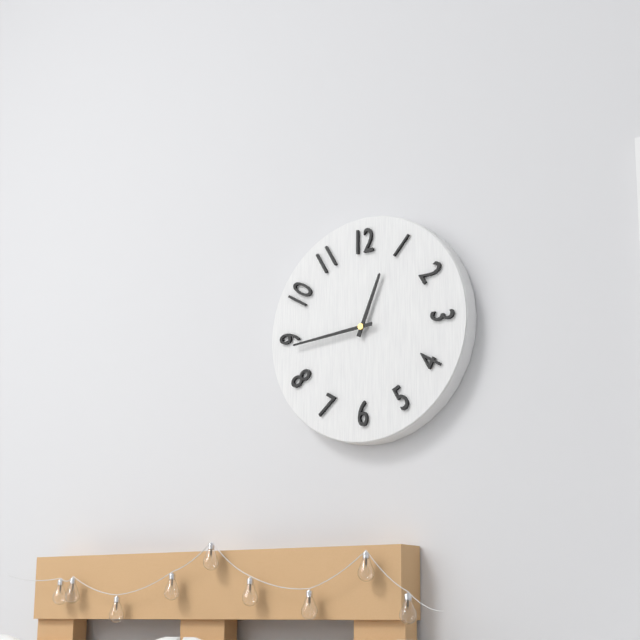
12:44
